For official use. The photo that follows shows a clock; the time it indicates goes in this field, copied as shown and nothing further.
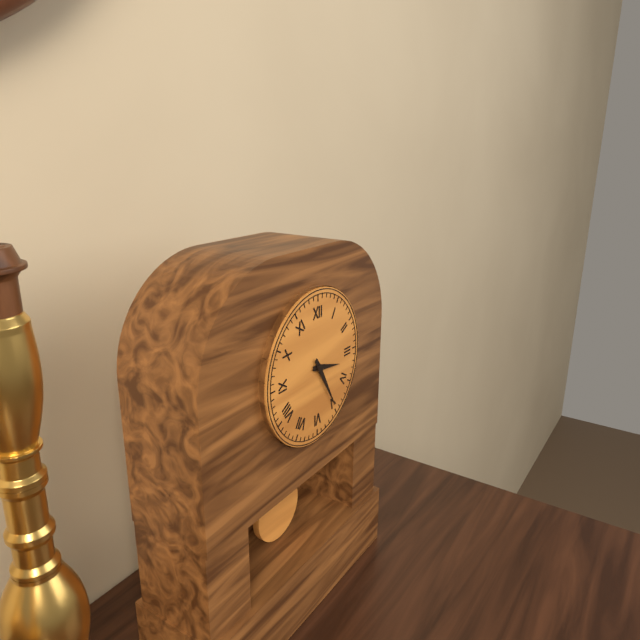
3:25
